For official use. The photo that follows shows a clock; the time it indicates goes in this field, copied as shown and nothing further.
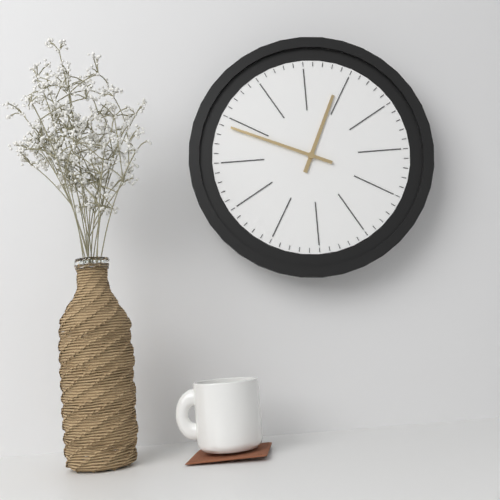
12:49
